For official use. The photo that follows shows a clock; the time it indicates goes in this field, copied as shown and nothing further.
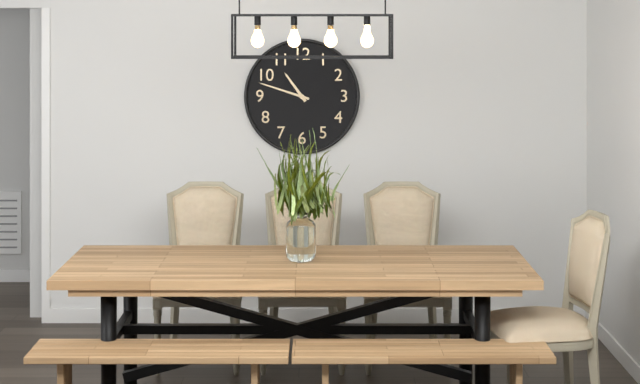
10:48
